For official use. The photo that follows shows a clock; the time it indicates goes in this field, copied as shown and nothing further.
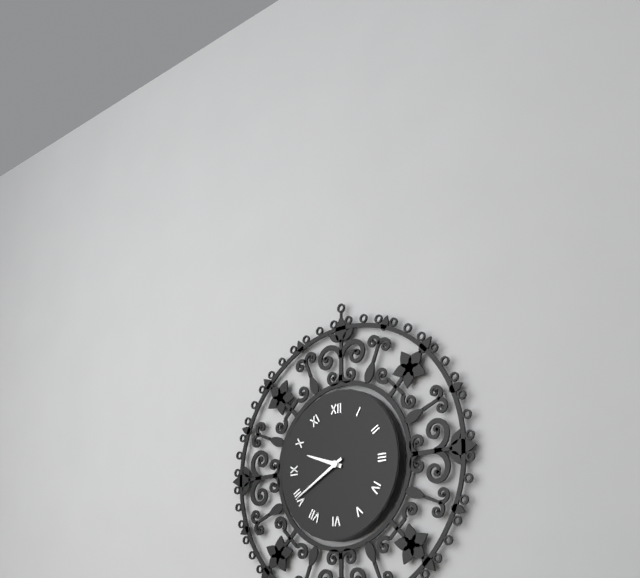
9:40
